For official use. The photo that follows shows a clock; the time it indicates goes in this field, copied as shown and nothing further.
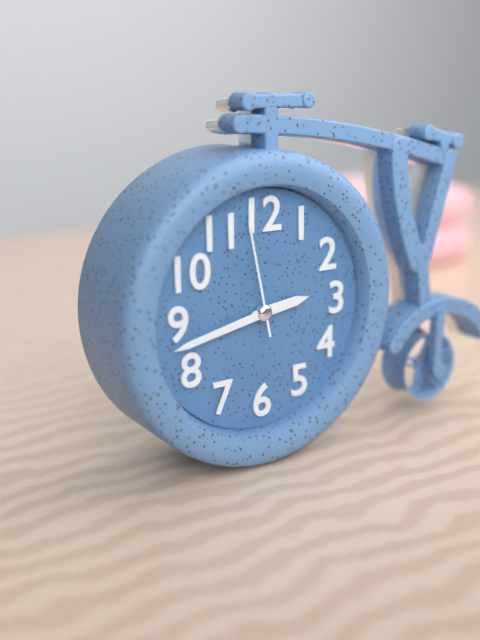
2:43:58
